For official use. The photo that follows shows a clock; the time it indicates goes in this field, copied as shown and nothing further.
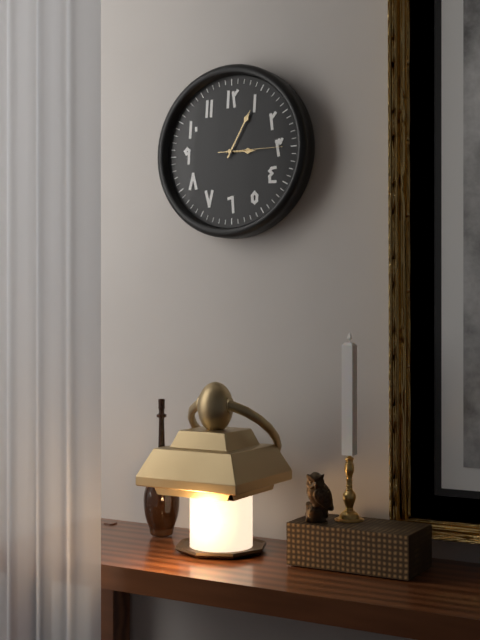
3:05:15
